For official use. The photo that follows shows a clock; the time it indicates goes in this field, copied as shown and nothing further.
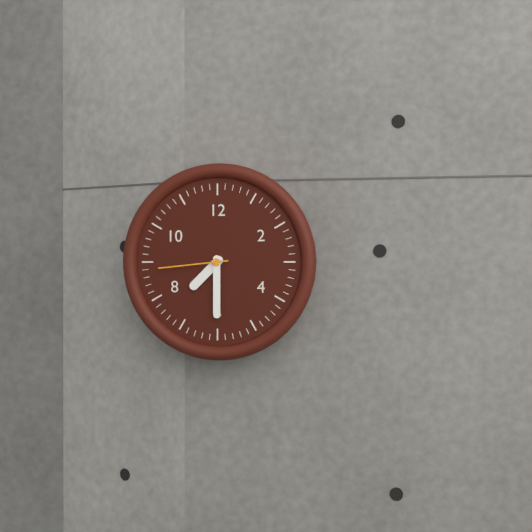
7:30:44
